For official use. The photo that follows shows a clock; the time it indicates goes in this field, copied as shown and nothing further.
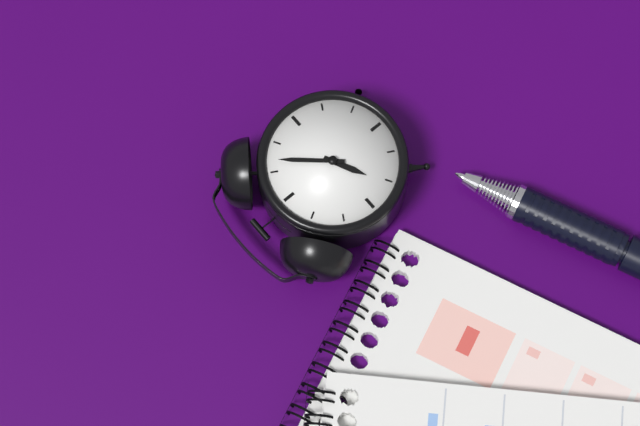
8:07
